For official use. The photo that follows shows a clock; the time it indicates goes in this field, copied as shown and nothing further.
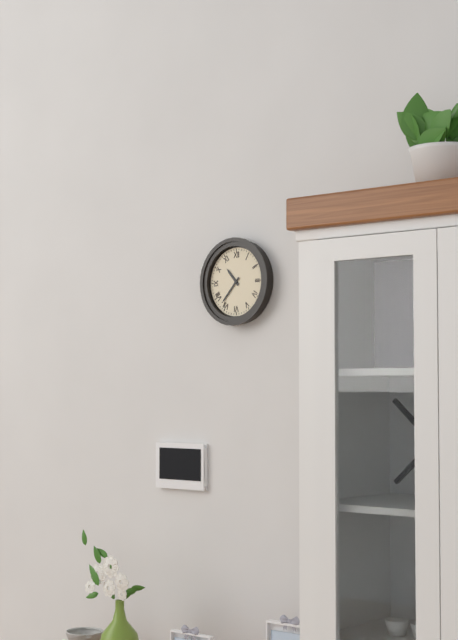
10:37
